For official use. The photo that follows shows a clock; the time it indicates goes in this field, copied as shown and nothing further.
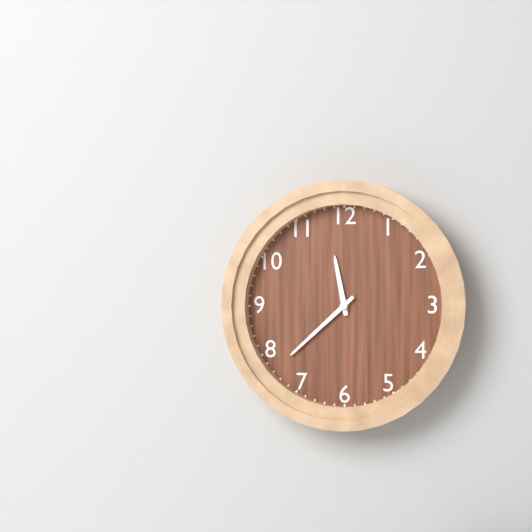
11:38
